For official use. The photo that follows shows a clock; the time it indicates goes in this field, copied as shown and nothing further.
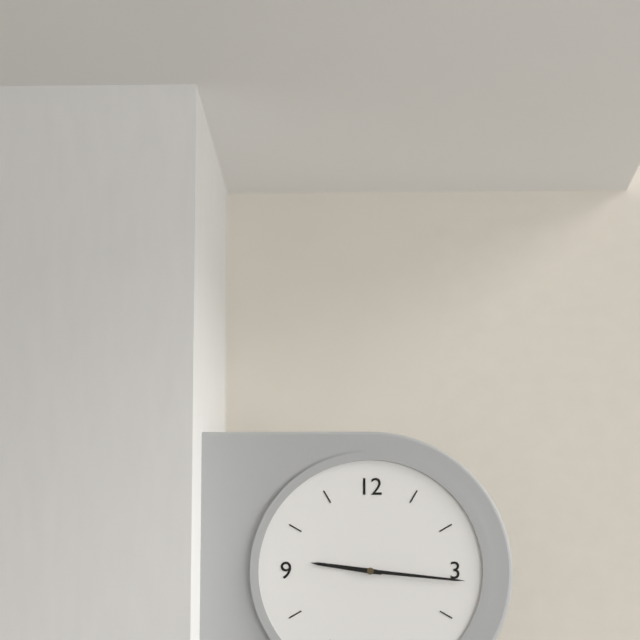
9:16
